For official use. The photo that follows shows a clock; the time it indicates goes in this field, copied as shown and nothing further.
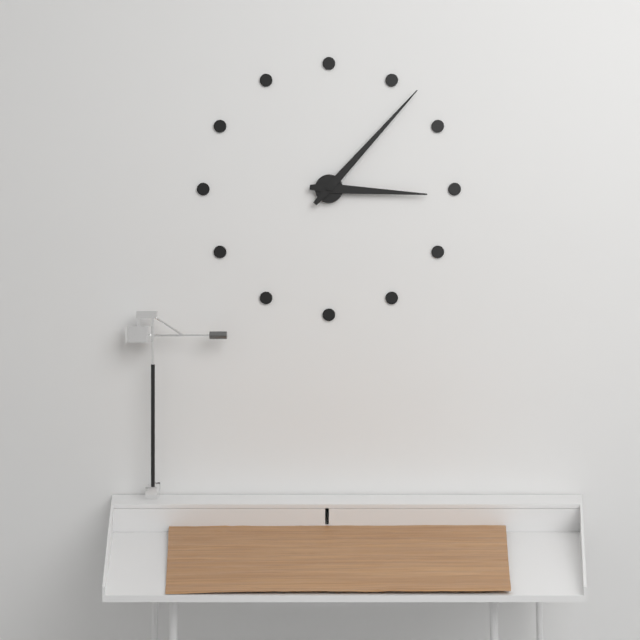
3:07
